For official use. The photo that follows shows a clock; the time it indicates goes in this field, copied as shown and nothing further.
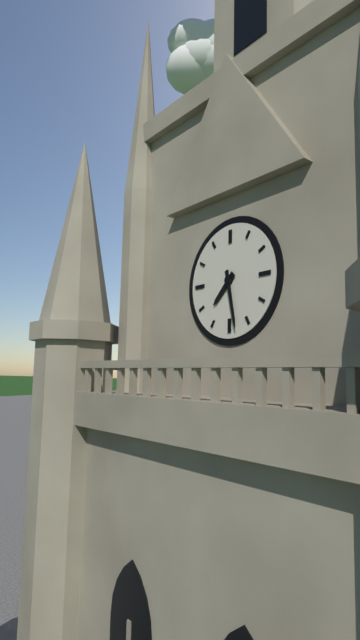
7:28
